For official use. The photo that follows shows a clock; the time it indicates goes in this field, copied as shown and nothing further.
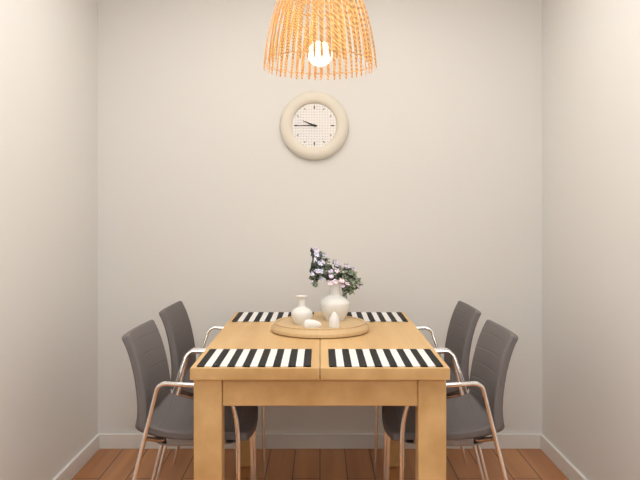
9:45
